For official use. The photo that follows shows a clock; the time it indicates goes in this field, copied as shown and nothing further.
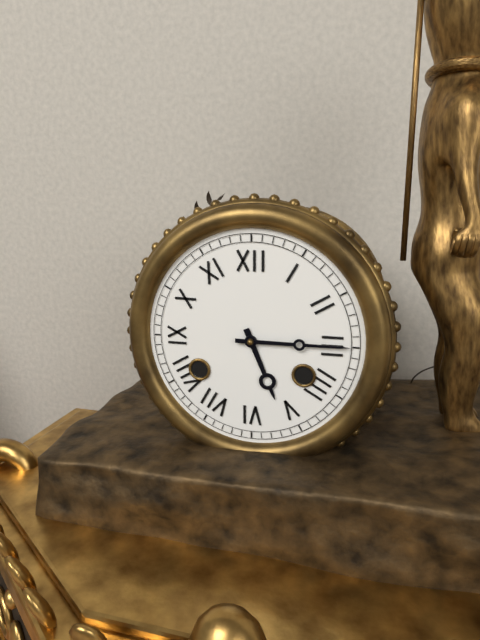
5:15
